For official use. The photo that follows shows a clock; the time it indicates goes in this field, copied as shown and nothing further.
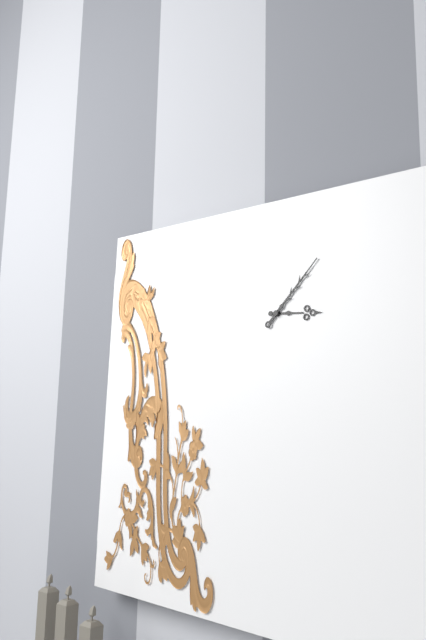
3:07
